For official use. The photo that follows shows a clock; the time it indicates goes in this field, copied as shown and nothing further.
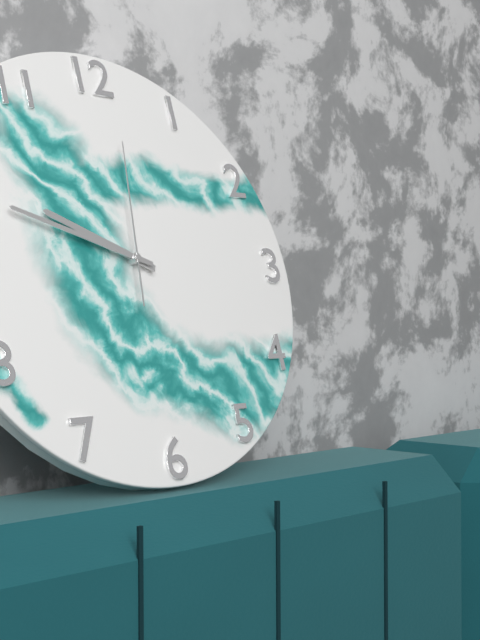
9:48:01
